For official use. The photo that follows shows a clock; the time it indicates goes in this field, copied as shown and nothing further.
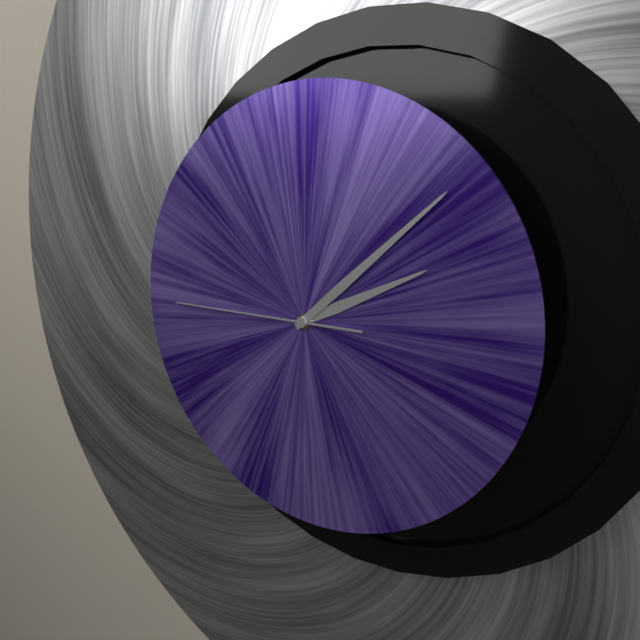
2:08:45
